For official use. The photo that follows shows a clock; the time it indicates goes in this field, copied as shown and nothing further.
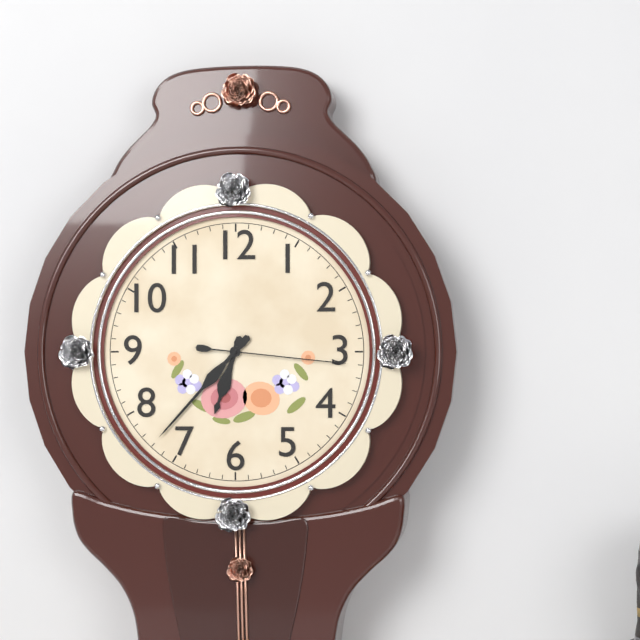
6:37:16
